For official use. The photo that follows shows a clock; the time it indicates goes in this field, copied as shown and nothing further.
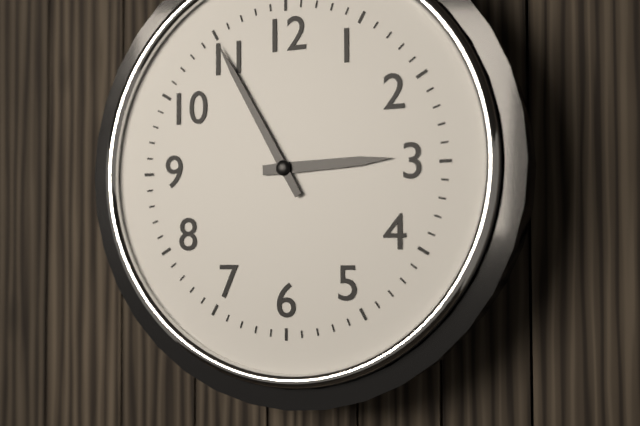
2:55
